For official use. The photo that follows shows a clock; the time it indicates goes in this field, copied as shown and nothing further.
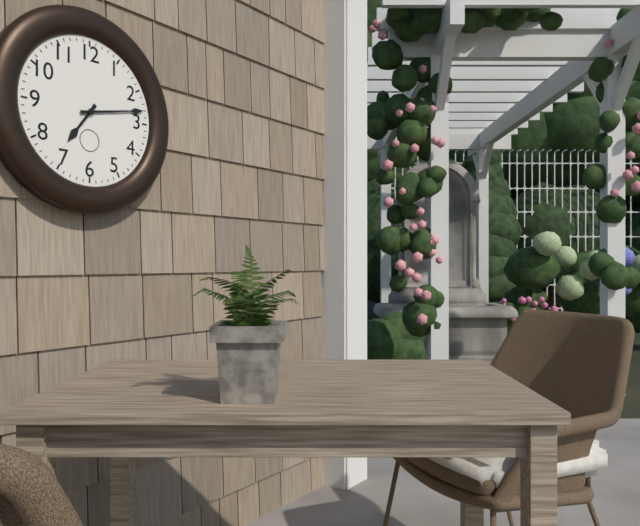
7:13
